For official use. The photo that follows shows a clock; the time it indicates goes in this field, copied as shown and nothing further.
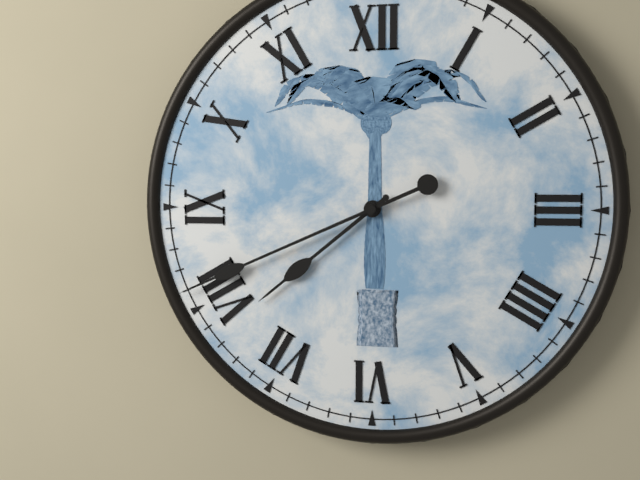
7:41
